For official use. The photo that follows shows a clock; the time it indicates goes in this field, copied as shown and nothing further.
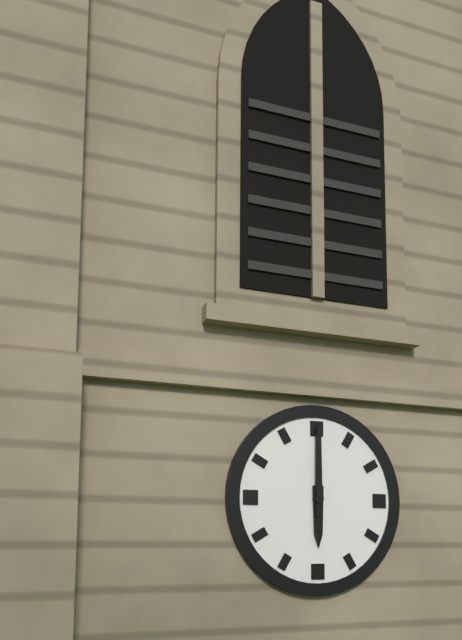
6:00
